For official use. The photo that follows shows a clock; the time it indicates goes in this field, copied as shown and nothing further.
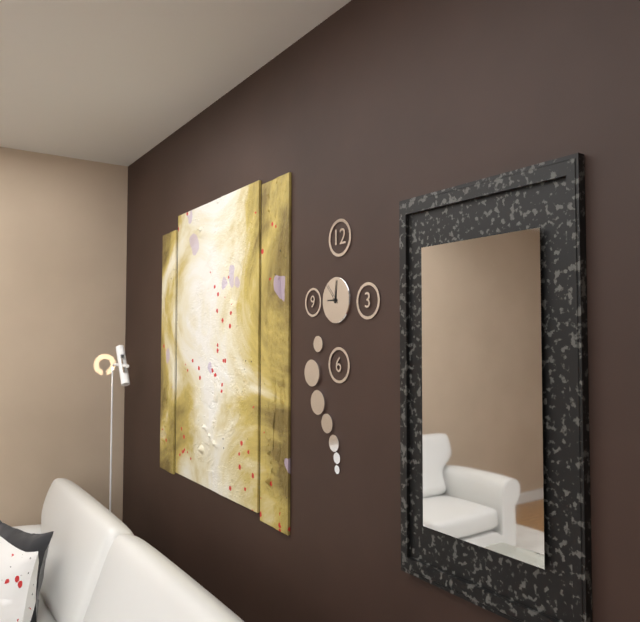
9:01
